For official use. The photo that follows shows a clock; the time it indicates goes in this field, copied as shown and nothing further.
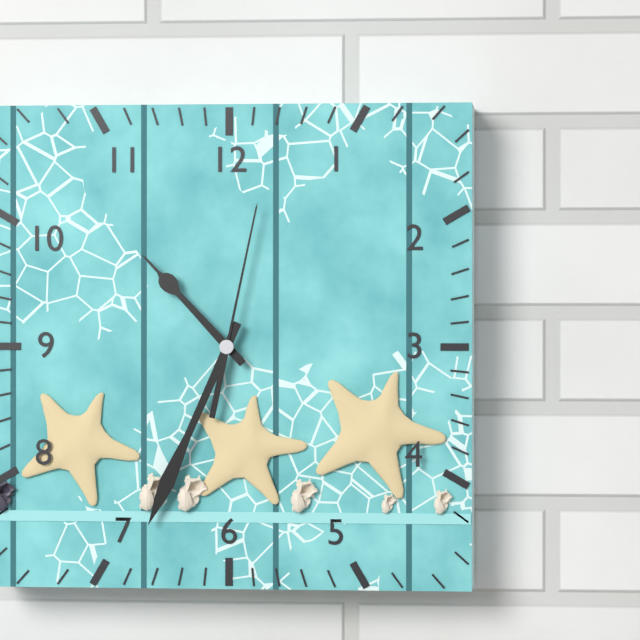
10:34:02
